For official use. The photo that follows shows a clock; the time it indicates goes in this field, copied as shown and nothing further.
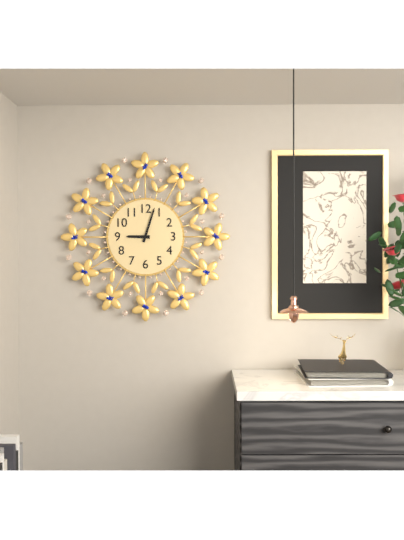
9:03
